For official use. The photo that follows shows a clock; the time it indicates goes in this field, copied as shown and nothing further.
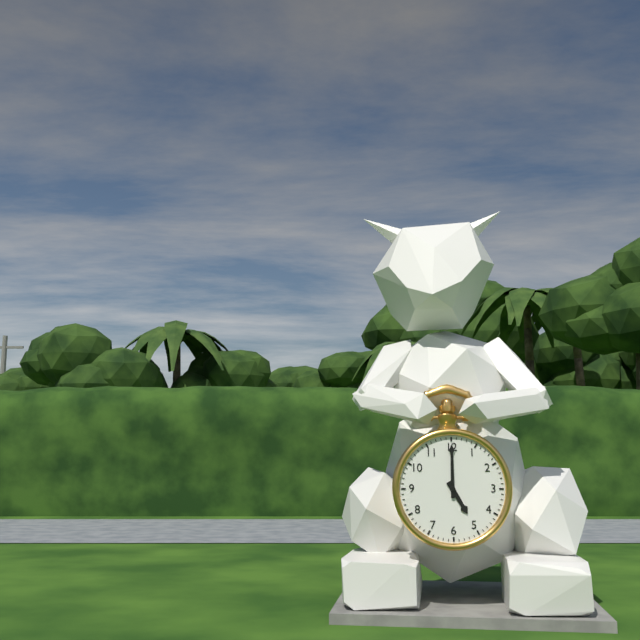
5:00
